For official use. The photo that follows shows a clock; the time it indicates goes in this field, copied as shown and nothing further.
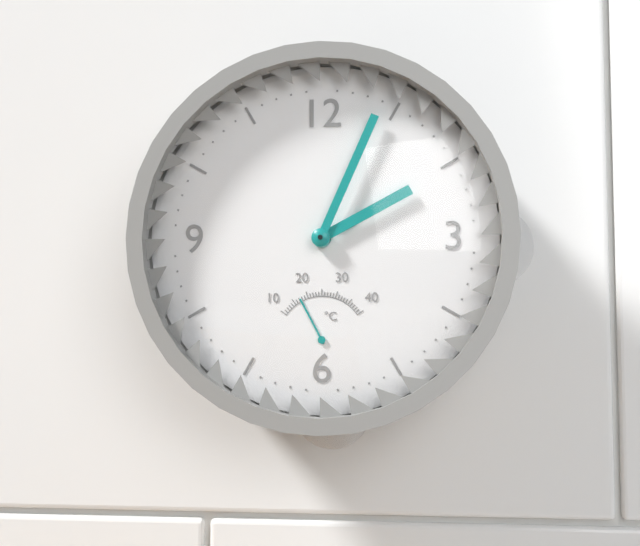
2:04
